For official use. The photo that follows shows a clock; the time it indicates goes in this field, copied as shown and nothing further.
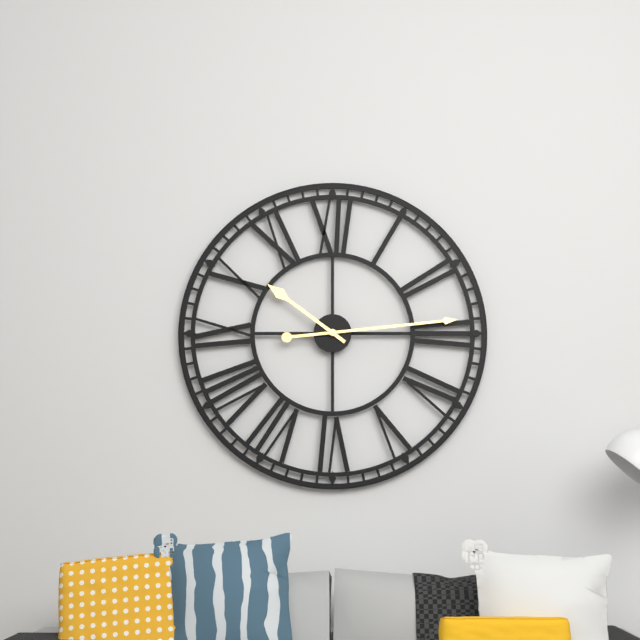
10:14
